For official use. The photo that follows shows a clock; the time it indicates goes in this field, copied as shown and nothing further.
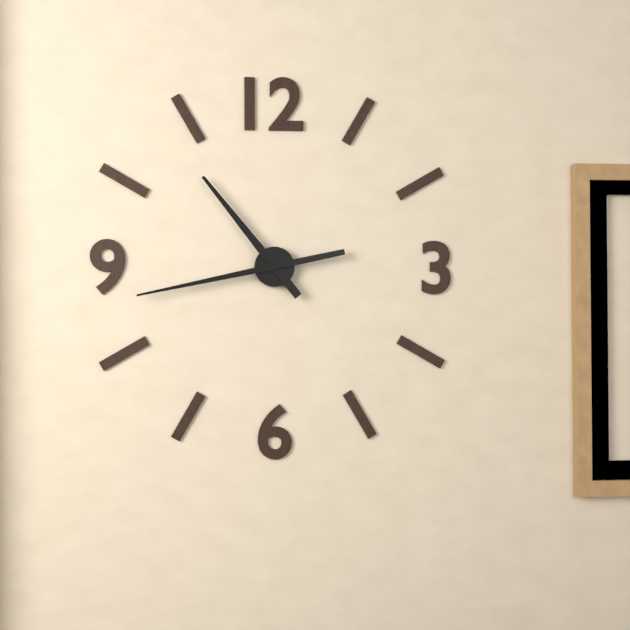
10:43
